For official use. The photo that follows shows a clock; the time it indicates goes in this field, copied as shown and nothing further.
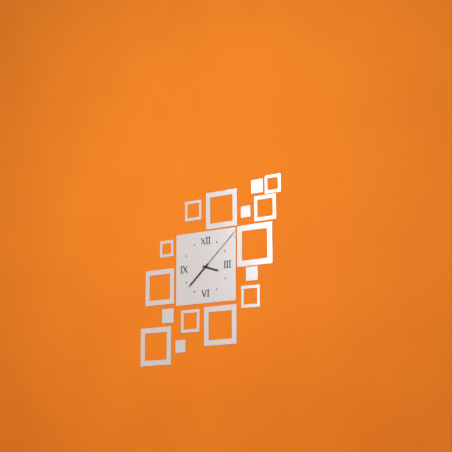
3:38:08
